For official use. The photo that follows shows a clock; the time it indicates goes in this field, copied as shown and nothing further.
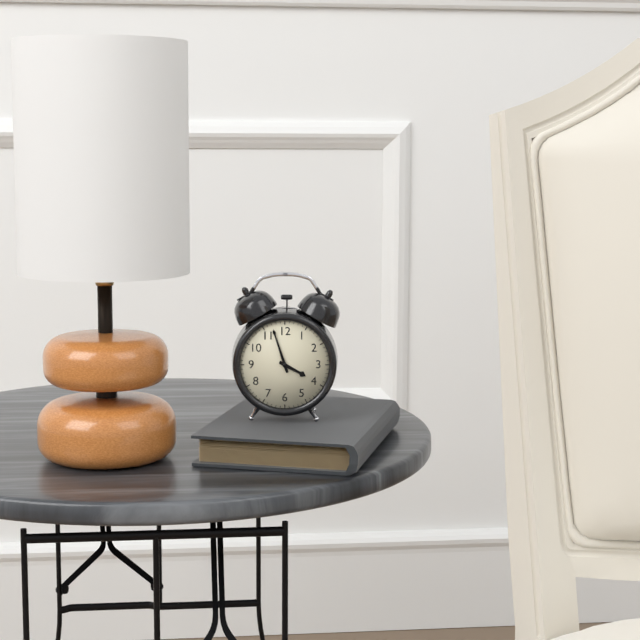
3:57
